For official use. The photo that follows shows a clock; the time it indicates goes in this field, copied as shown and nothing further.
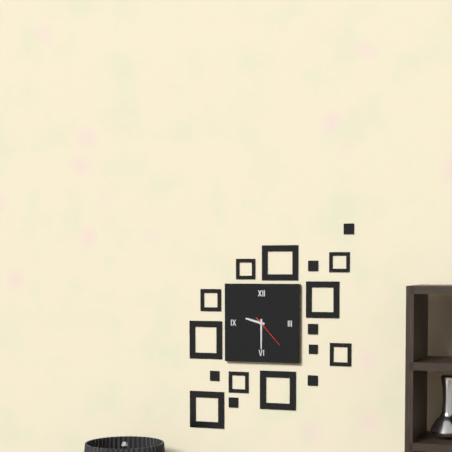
9:30
